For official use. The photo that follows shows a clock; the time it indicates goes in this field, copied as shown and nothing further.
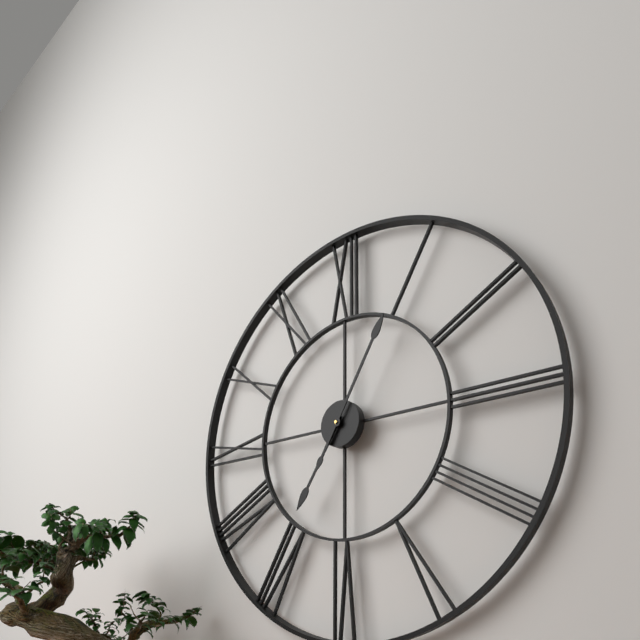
7:05
